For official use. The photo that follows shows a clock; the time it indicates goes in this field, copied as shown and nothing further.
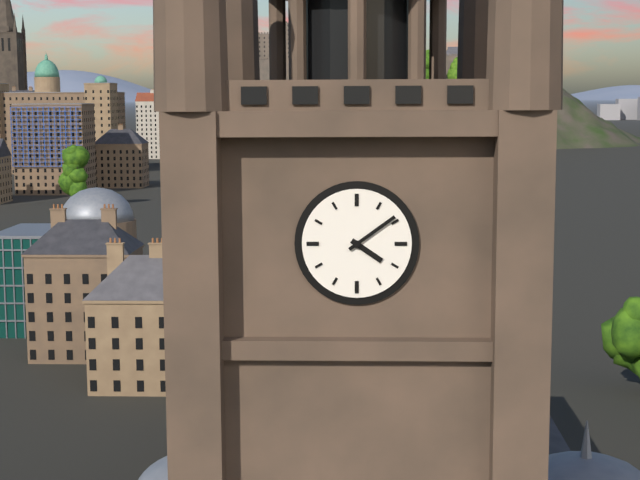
4:09
